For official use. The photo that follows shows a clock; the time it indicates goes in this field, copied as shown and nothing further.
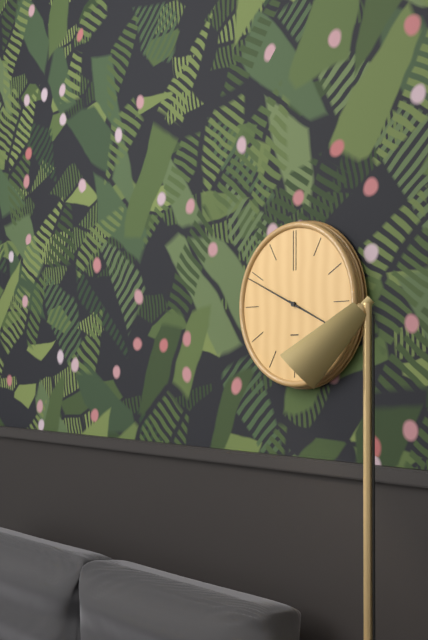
3:49
